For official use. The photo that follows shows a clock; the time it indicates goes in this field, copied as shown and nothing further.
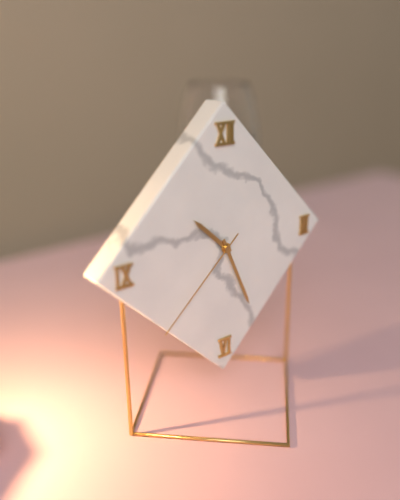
10:26:38
